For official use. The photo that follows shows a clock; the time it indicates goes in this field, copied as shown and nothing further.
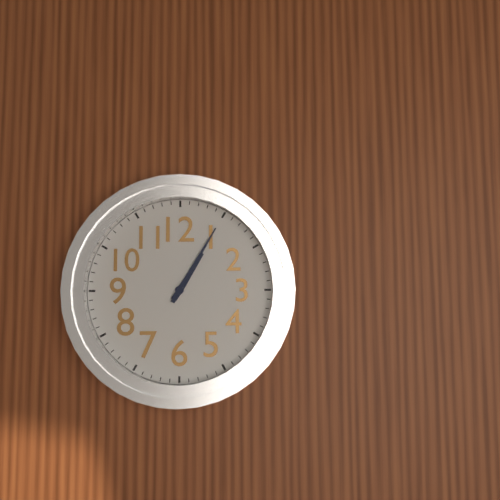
1:05
